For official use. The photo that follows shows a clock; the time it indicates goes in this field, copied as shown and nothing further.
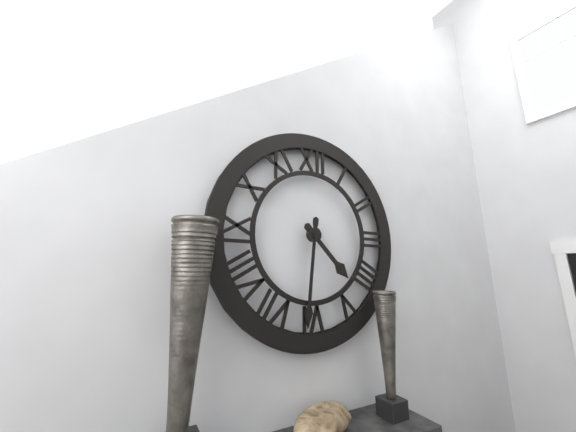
4:31
